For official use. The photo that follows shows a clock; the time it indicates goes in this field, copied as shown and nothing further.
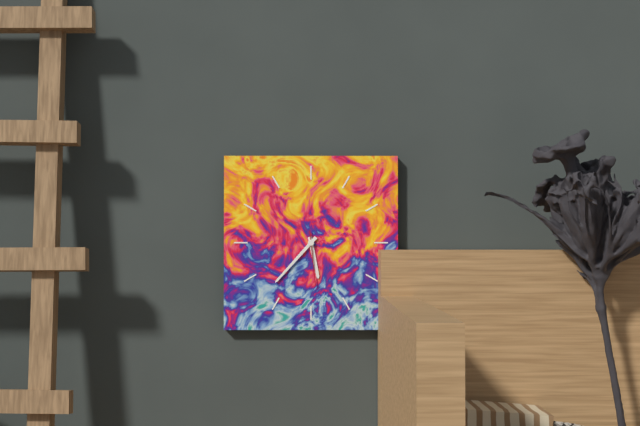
5:37:29
